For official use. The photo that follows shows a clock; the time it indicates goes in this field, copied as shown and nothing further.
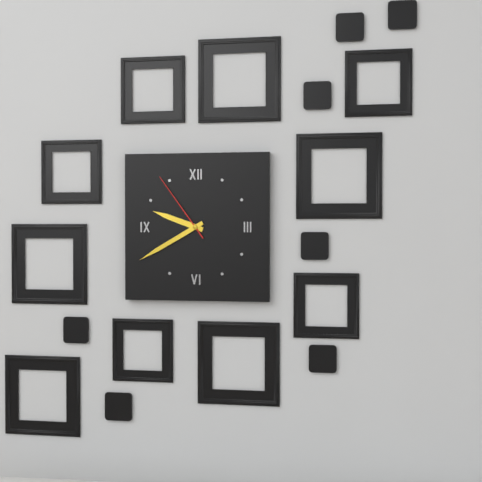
9:40:54
